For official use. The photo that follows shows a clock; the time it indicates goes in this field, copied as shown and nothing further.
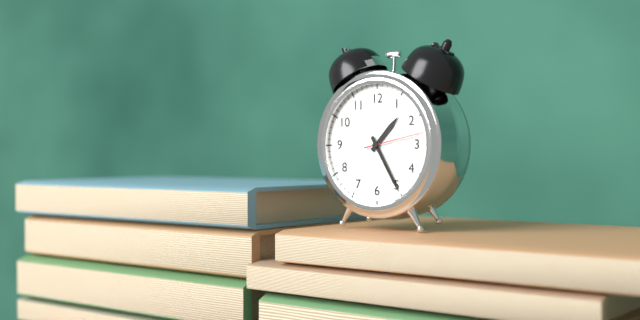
1:25:13
